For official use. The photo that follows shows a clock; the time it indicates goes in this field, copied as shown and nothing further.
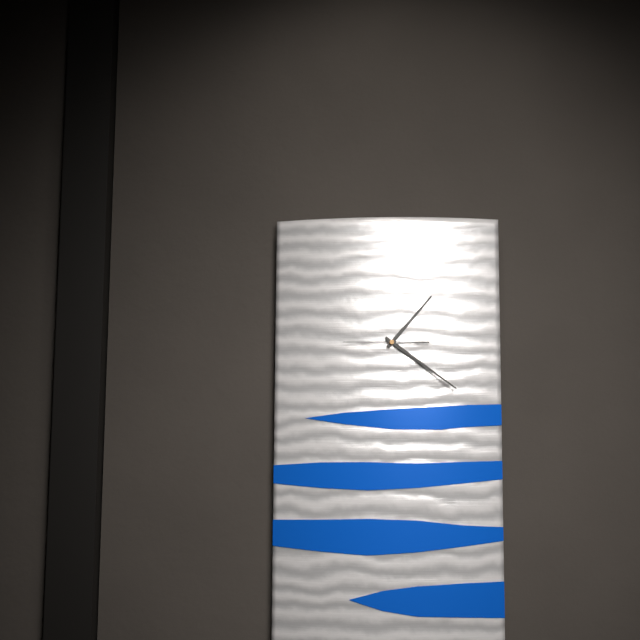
1:21:45
